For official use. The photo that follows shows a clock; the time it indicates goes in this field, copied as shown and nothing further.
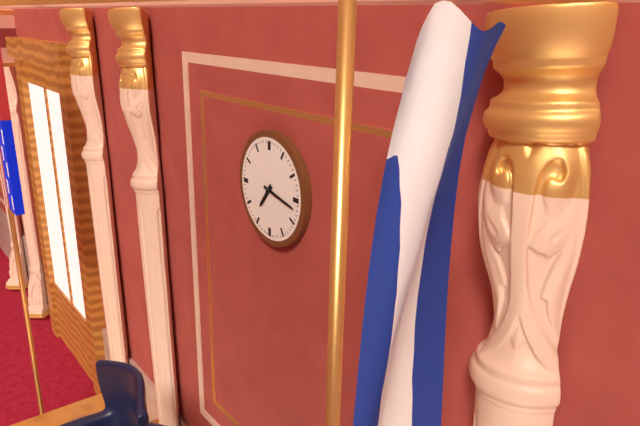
7:17
